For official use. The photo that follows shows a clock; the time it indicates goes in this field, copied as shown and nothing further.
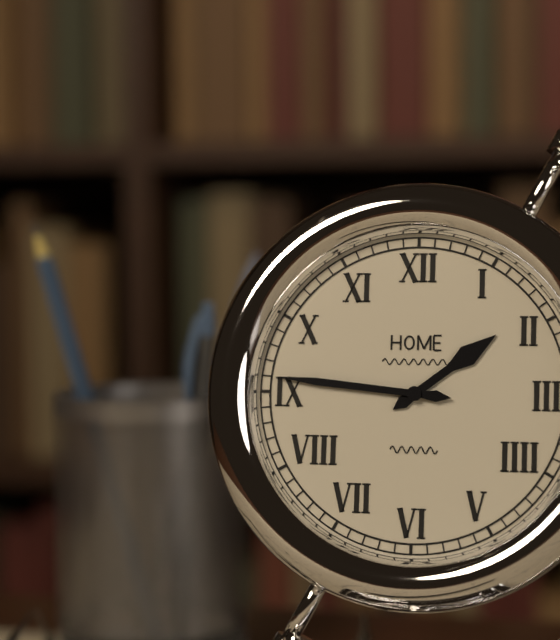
1:46
